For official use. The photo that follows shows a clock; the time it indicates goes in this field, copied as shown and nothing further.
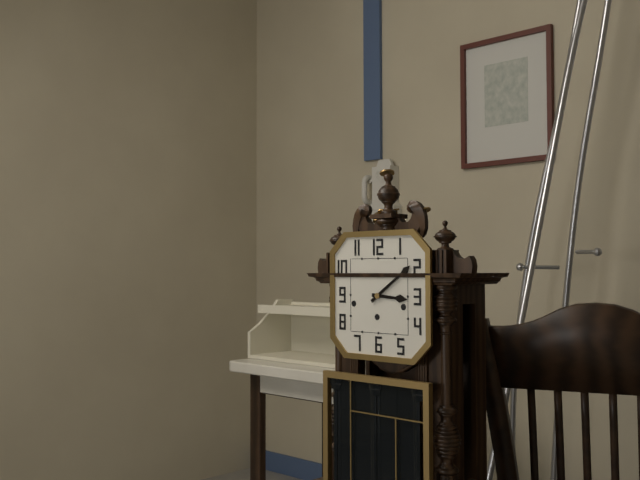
3:09
